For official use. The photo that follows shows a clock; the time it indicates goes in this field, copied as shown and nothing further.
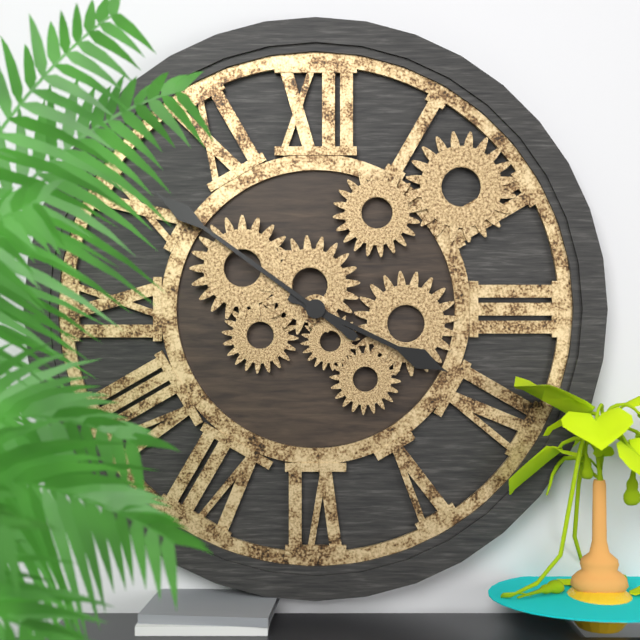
3:51
